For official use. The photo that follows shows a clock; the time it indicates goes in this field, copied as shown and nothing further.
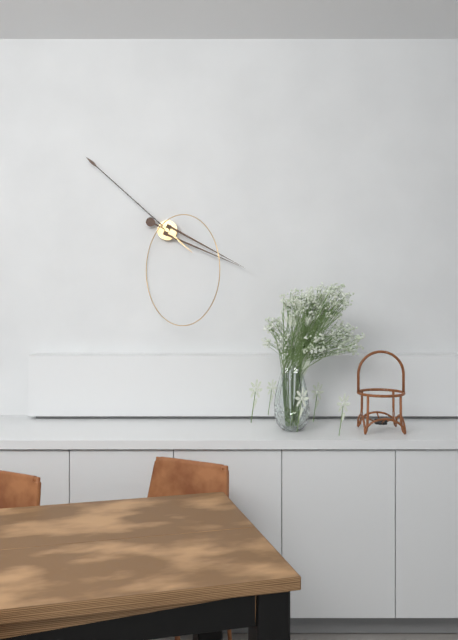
3:52
